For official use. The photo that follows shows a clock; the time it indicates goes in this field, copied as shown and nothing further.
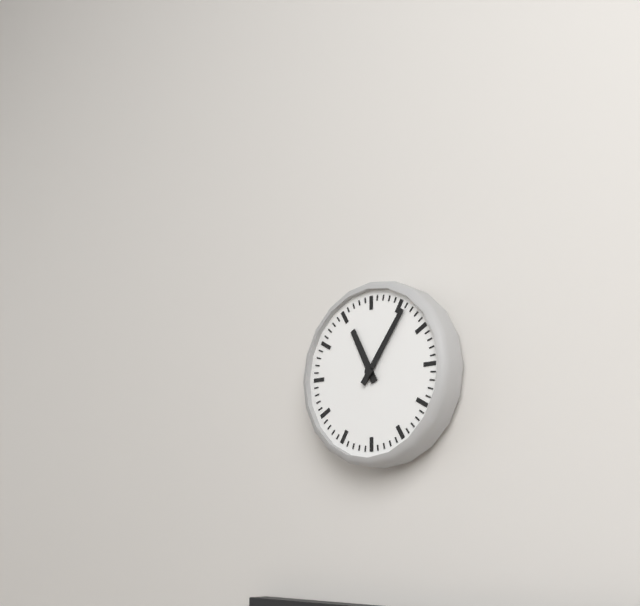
11:06
